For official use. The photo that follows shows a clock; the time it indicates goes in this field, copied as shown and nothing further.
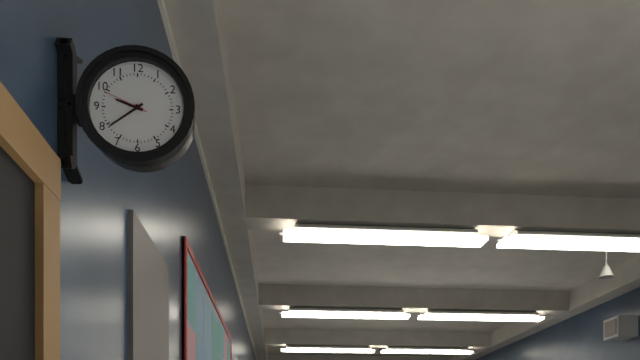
9:39
